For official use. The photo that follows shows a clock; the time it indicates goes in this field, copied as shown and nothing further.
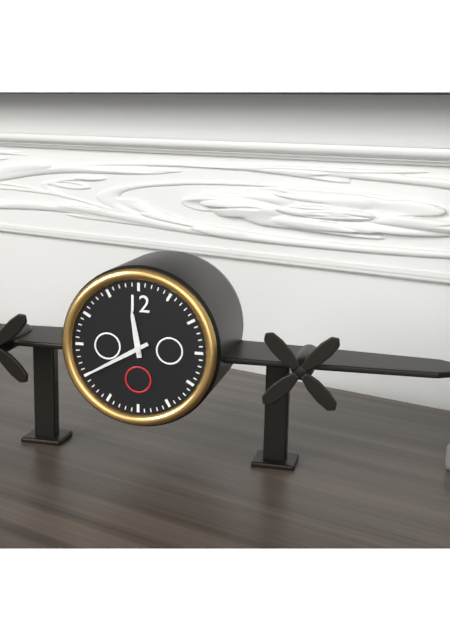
11:40
